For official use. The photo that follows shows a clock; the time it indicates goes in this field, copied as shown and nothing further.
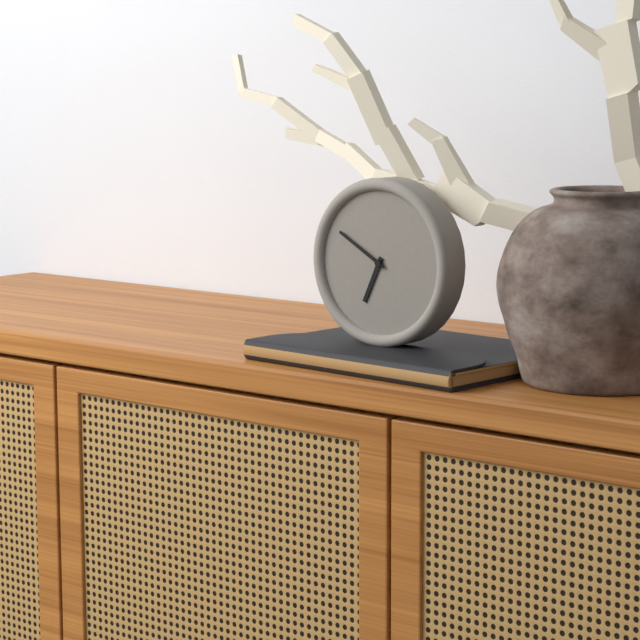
6:50
